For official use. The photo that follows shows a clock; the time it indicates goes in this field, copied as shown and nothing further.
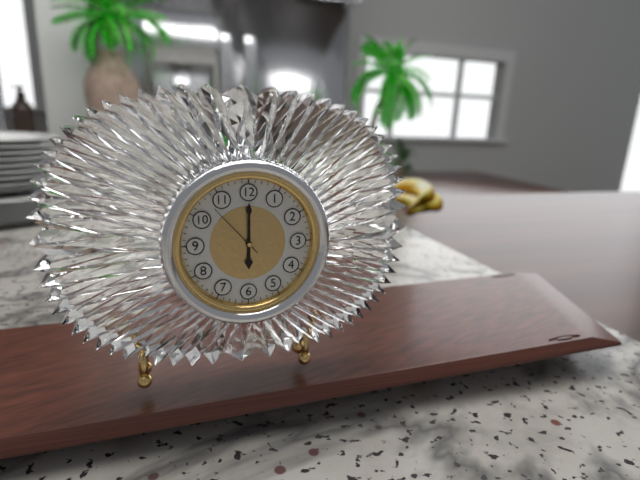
6:00:53
